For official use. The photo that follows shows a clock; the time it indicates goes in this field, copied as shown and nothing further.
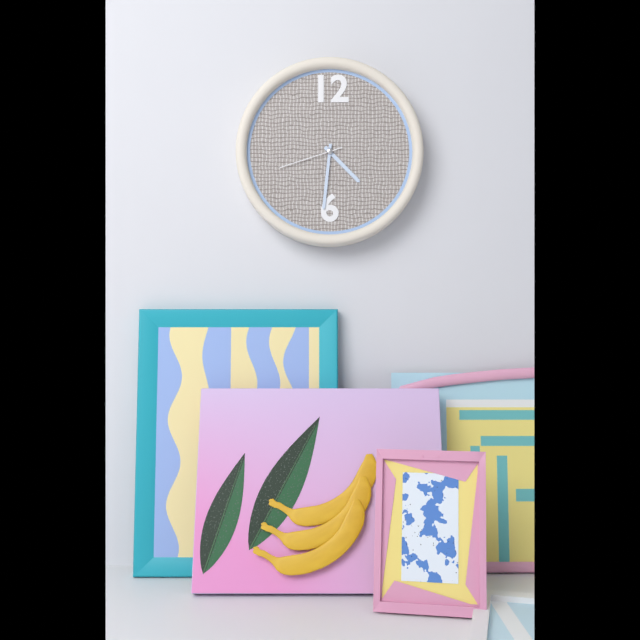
4:31:42
